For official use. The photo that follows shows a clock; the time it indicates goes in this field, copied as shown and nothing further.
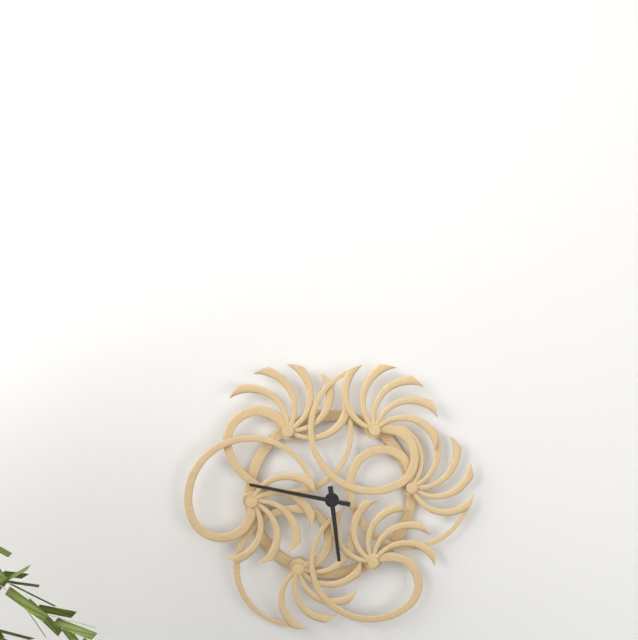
5:47
